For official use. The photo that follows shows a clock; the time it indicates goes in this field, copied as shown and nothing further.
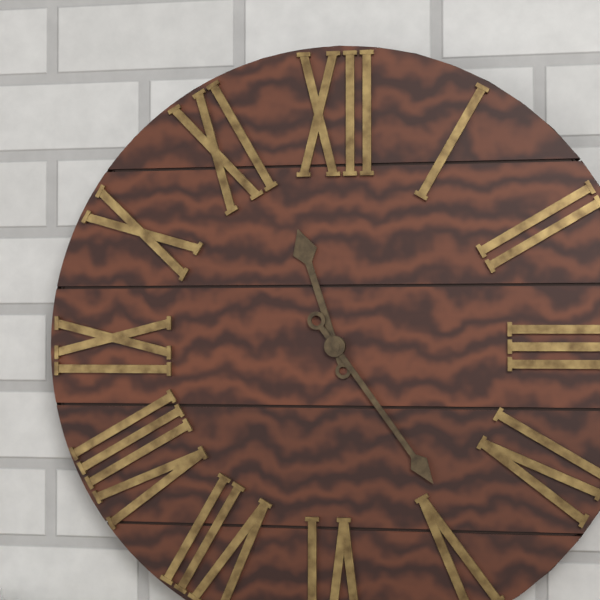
11:24
